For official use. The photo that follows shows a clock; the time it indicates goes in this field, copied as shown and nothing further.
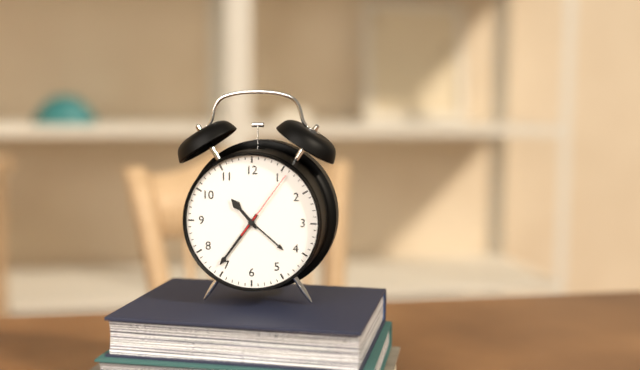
10:36:06
